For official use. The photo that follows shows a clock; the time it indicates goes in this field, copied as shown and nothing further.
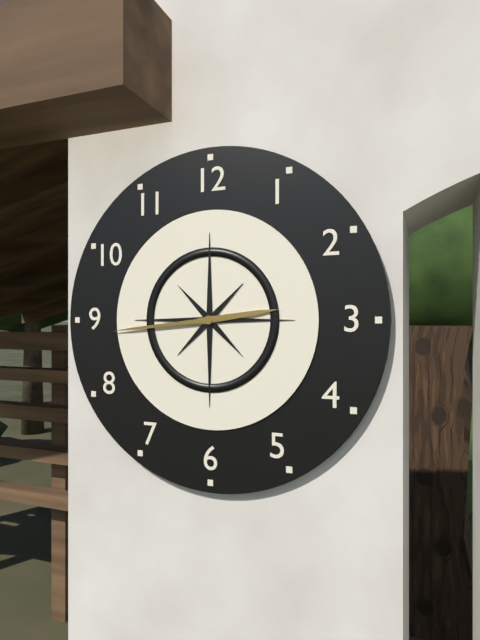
2:44
